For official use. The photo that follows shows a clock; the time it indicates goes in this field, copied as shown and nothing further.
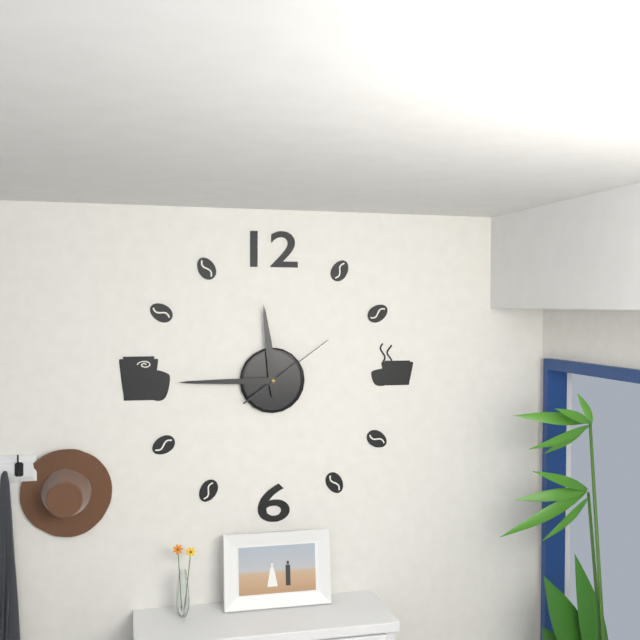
11:45:09
